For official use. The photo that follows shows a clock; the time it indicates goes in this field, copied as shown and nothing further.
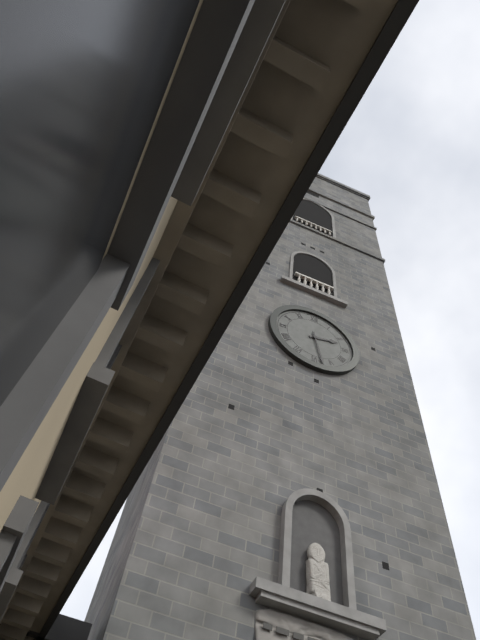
2:28
